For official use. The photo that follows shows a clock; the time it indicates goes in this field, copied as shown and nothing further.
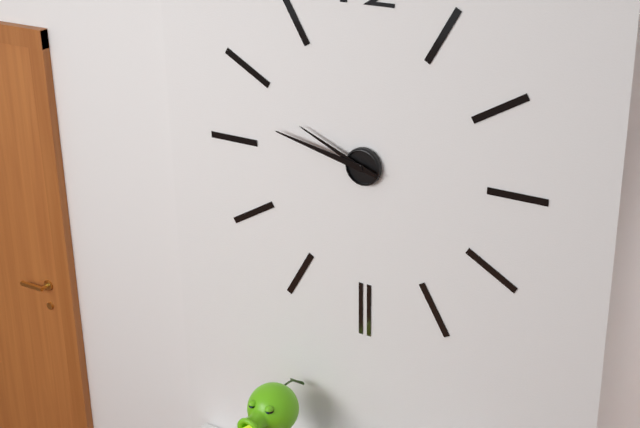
9:47
